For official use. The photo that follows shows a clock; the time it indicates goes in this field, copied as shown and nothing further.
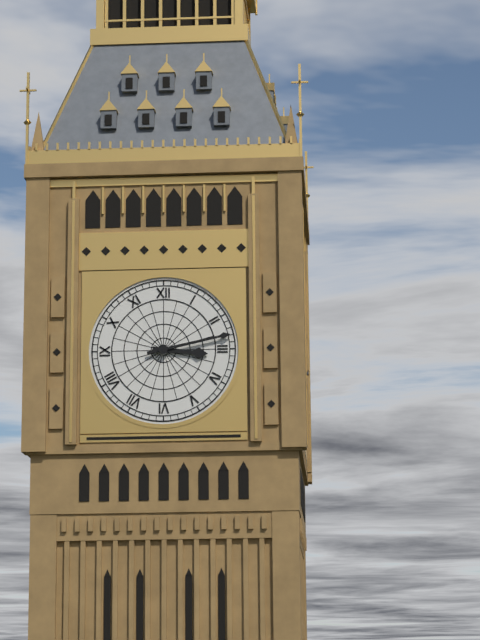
3:13
